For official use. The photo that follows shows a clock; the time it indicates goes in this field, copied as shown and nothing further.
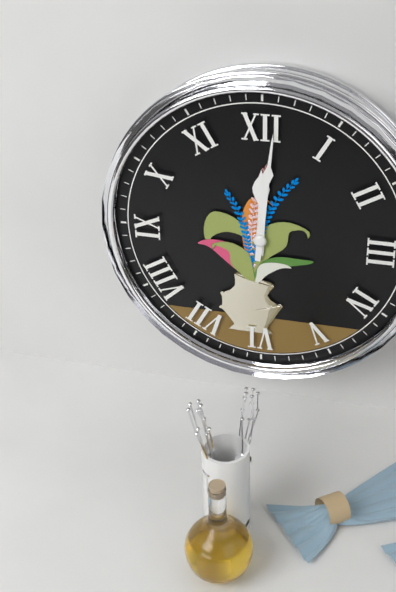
12:01
